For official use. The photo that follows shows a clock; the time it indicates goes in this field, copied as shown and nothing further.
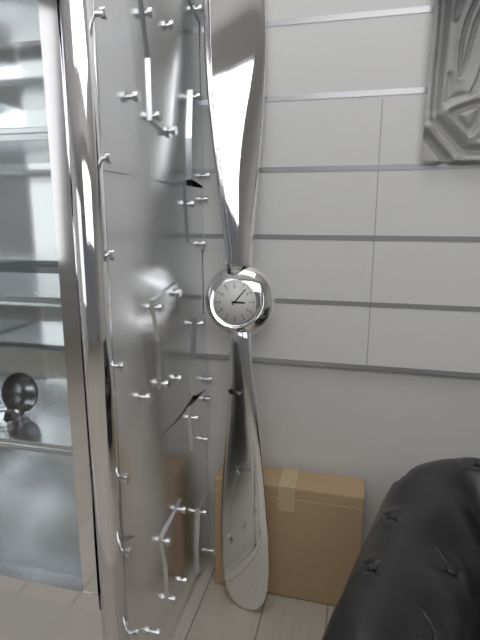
3:07
